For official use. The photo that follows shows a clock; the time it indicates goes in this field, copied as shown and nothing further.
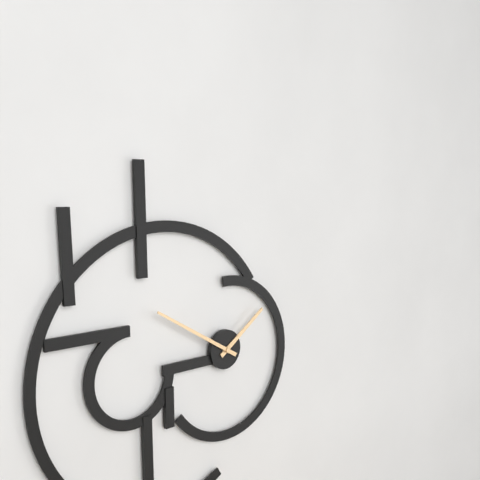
1:50
